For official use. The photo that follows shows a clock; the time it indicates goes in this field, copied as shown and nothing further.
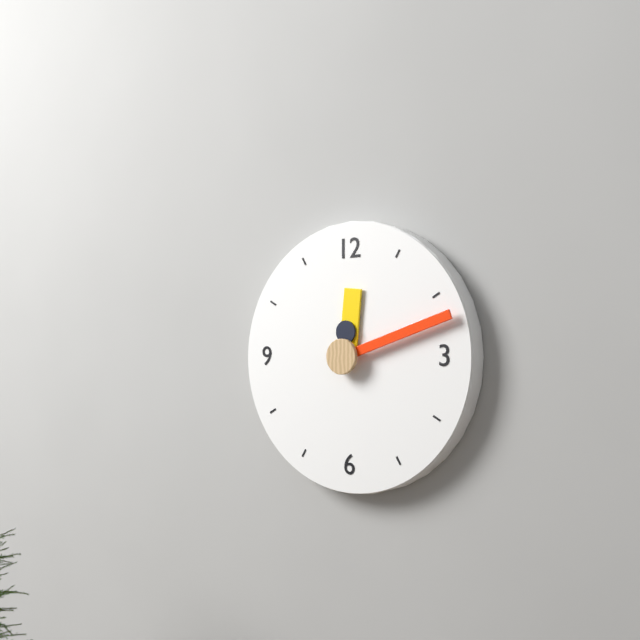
12:12
